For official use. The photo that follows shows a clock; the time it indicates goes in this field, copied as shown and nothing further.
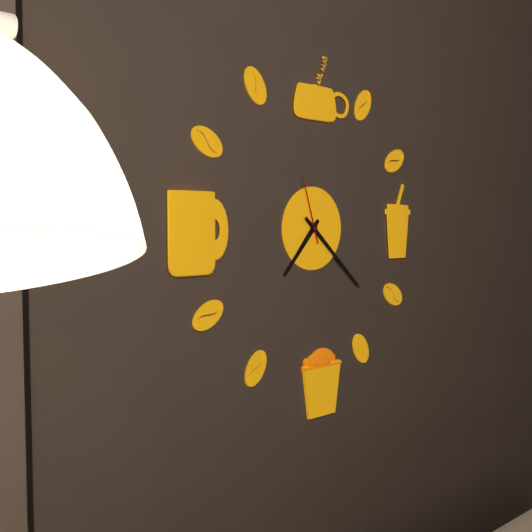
7:22:57
